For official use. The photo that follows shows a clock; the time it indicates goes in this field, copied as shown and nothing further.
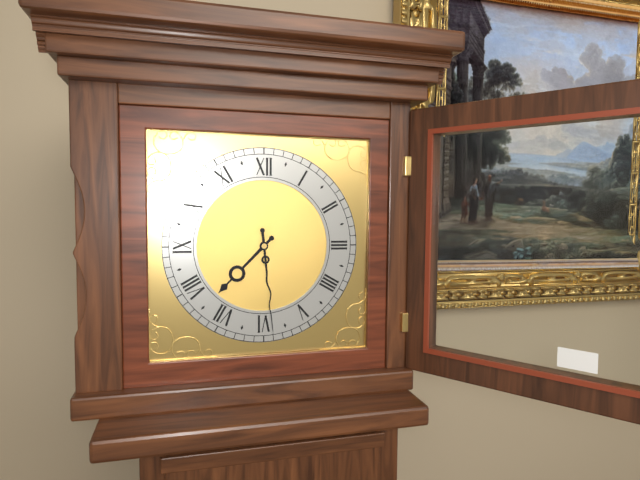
7:29
